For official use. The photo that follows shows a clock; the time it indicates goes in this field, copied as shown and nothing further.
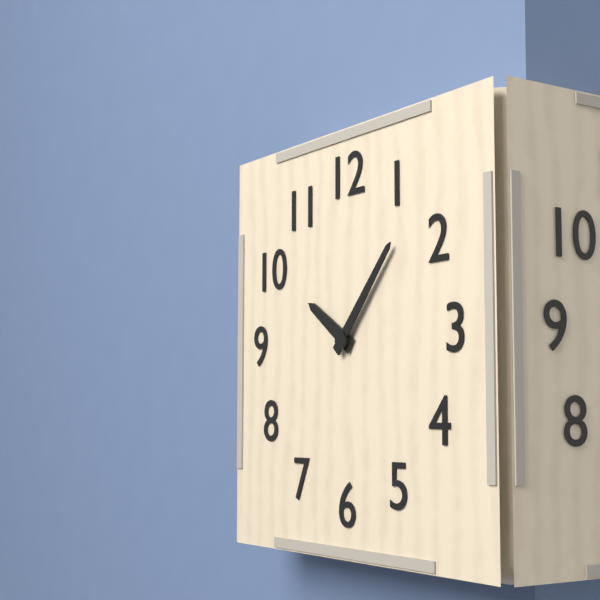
10:07
